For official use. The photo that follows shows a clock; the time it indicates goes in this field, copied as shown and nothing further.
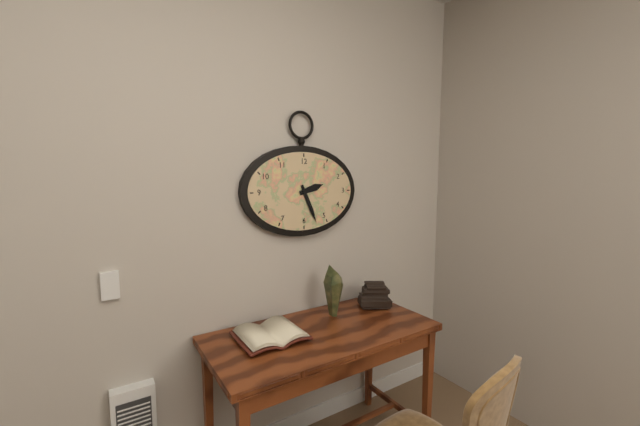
2:26
